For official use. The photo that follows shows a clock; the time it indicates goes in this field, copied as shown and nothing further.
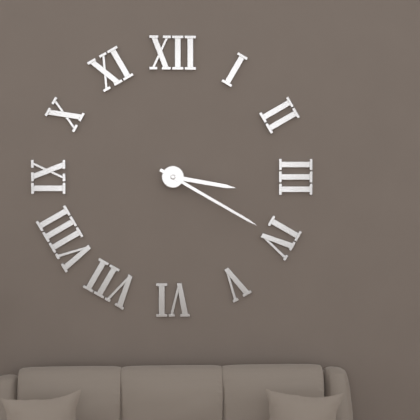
3:20
